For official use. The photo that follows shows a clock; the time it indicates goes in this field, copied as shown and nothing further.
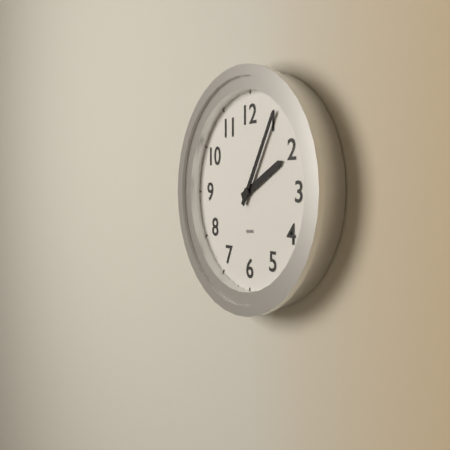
2:05
